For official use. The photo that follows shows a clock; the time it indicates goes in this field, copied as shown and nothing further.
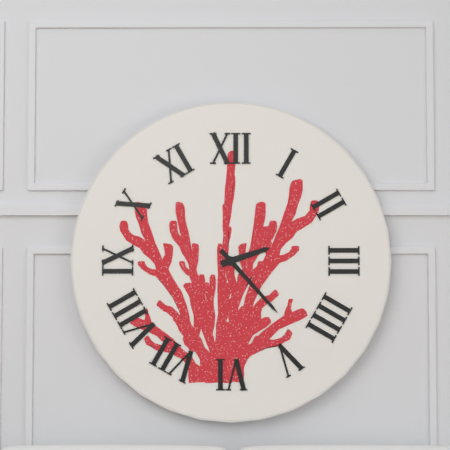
2:23
